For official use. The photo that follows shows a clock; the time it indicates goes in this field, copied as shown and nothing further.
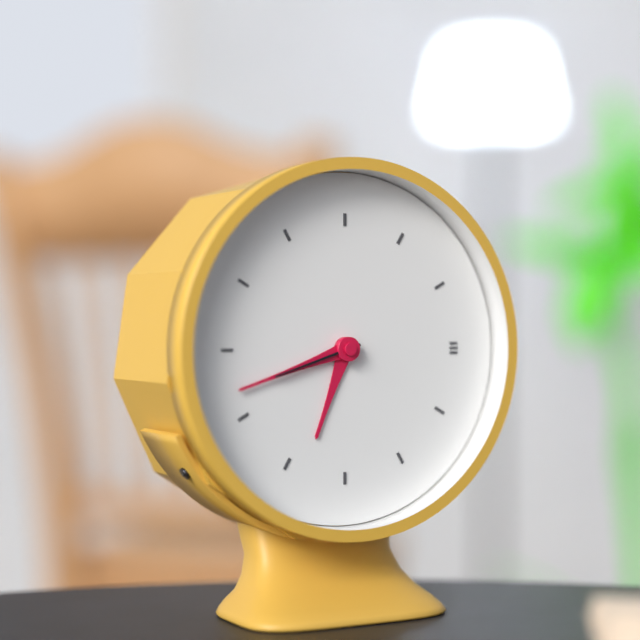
6:42:42
